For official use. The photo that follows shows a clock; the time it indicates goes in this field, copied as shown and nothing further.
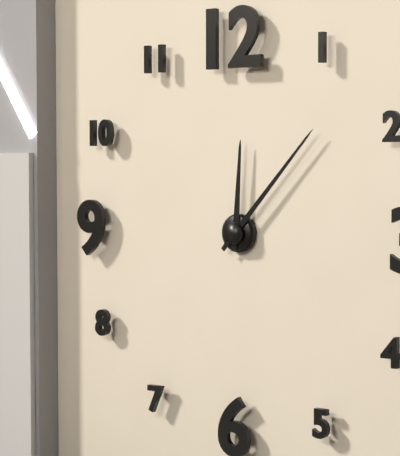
12:07
